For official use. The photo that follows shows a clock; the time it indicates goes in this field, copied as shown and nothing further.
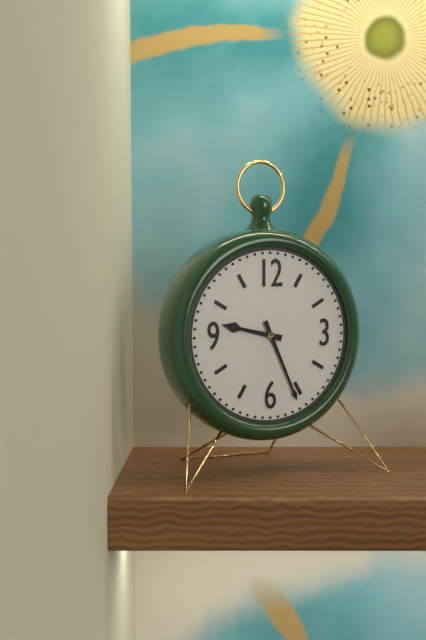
9:26
